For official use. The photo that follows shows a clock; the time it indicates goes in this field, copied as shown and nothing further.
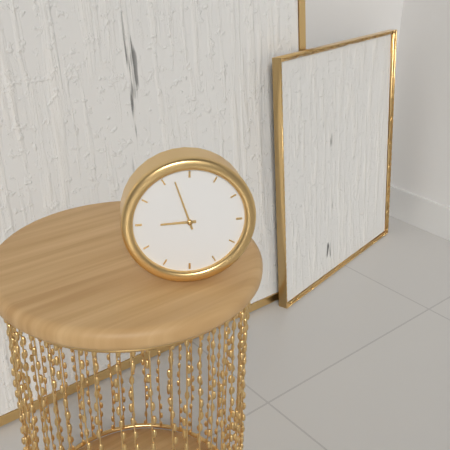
8:57
